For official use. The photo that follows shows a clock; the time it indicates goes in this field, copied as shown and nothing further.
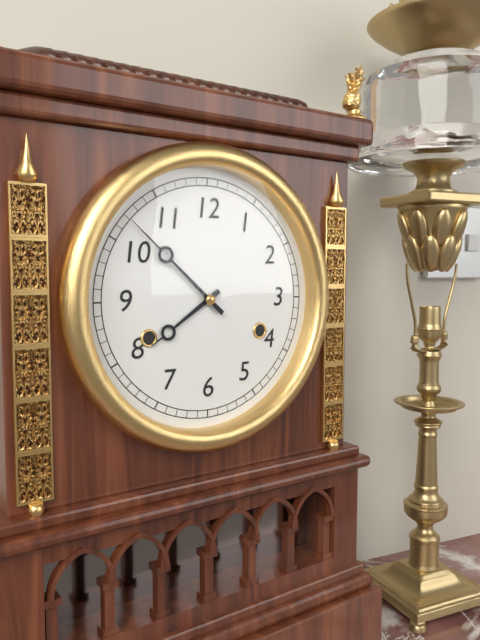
7:52
